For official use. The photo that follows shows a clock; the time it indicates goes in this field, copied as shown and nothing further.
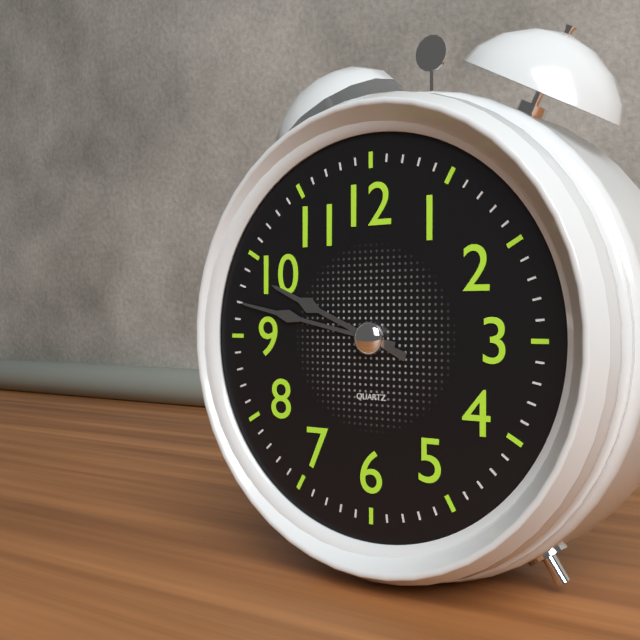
9:47
